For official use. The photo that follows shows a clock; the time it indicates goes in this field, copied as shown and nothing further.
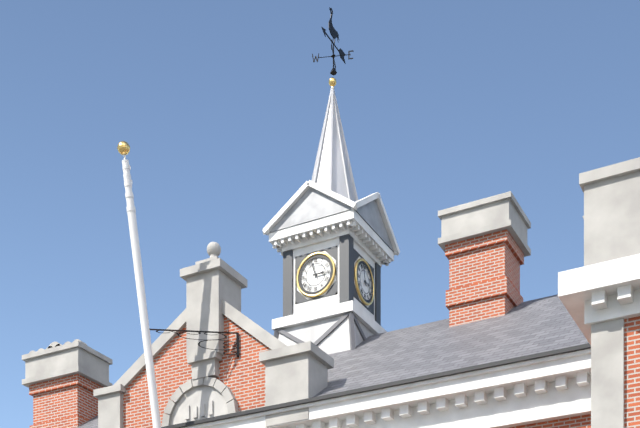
2:57
